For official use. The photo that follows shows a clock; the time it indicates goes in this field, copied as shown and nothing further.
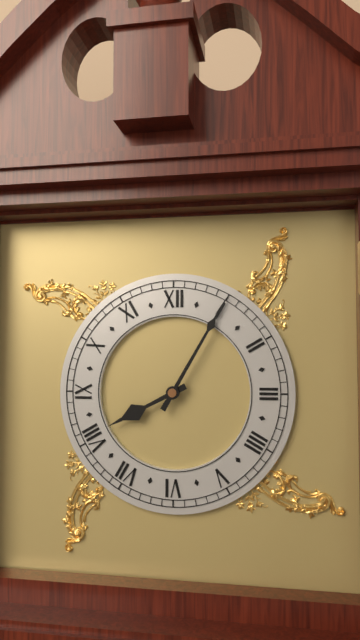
8:05
